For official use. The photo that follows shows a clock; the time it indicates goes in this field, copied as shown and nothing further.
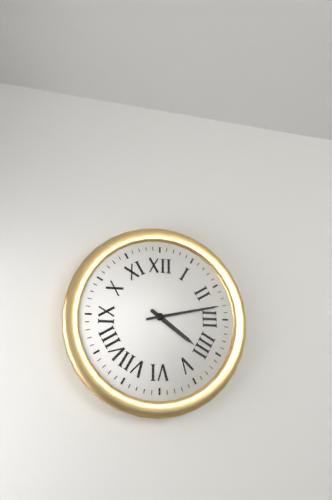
4:13
